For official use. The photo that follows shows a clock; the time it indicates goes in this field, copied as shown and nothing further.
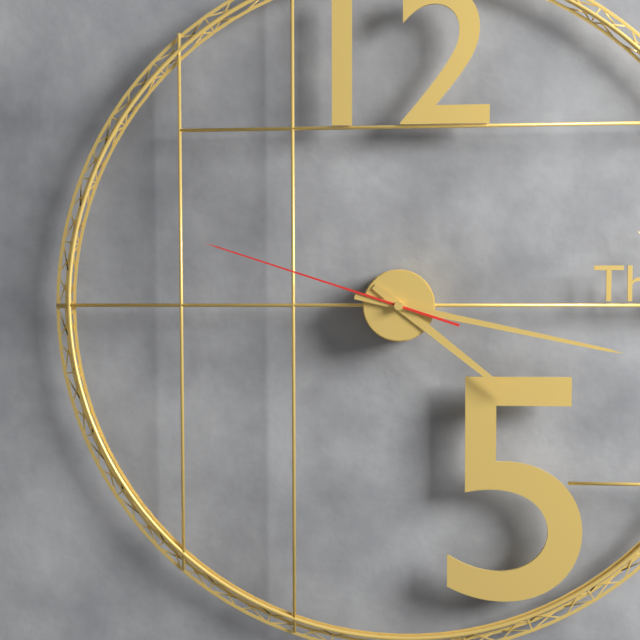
4:17:48
